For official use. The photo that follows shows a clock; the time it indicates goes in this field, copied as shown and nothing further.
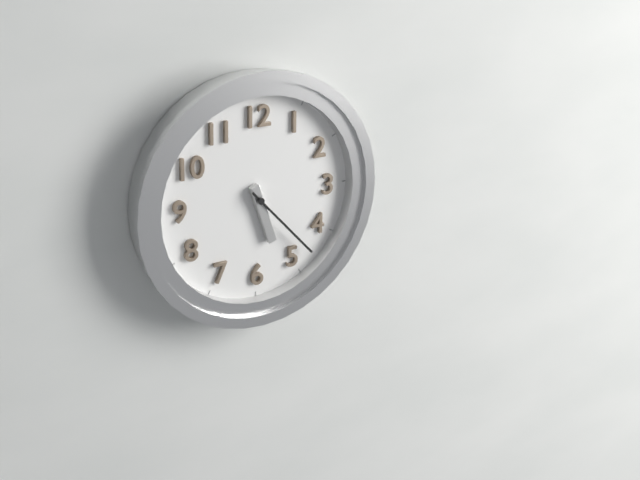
5:23
